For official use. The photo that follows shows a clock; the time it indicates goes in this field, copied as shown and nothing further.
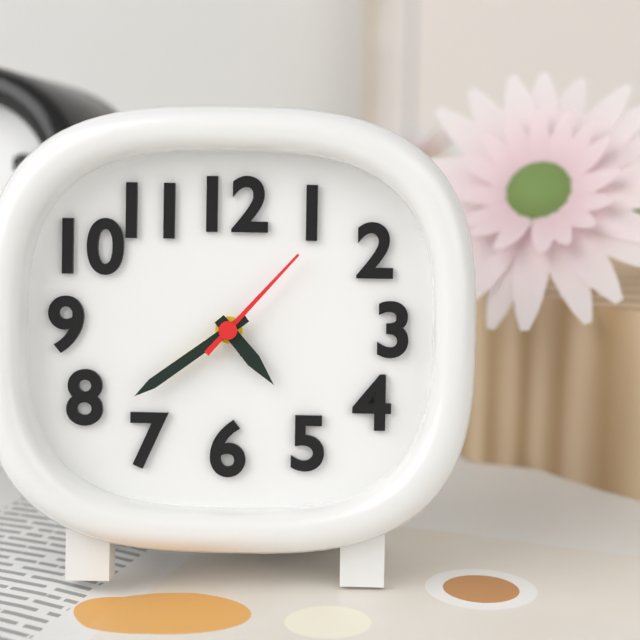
4:39:07
